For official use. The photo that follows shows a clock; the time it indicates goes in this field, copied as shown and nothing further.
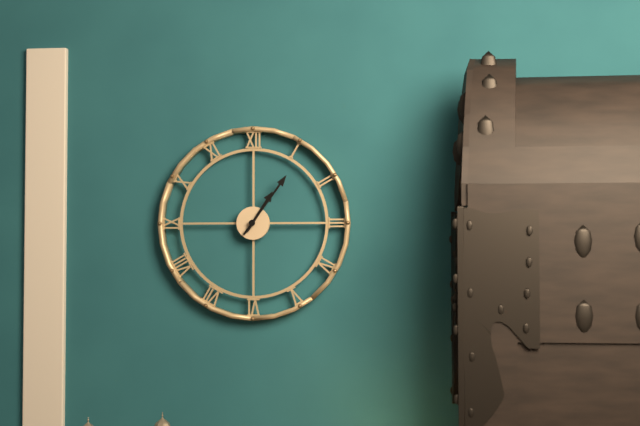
1:06
